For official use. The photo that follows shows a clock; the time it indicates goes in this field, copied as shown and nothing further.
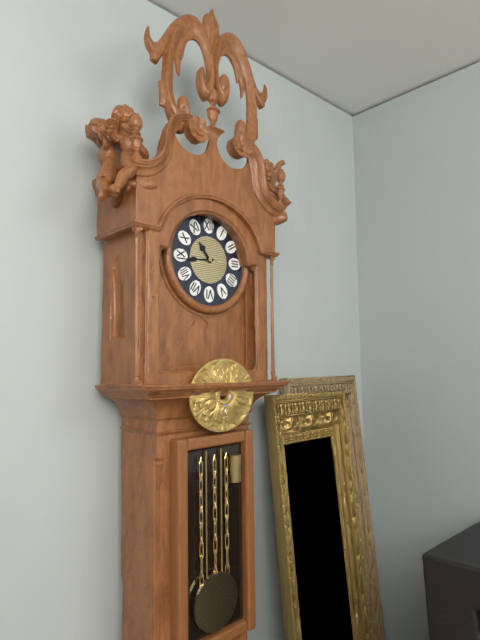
10:44
